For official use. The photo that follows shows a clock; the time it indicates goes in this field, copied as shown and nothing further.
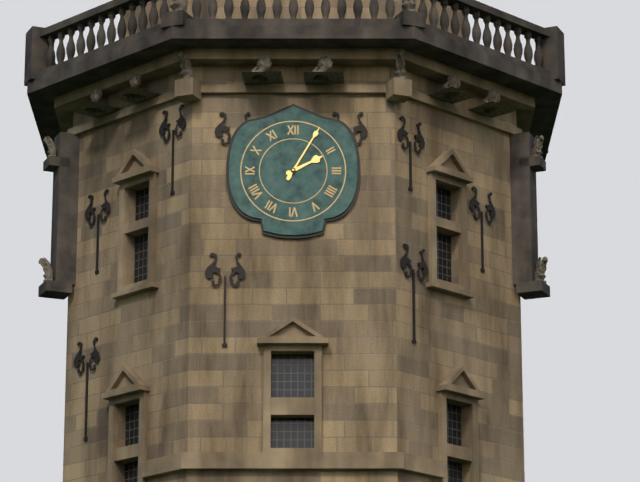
2:05
